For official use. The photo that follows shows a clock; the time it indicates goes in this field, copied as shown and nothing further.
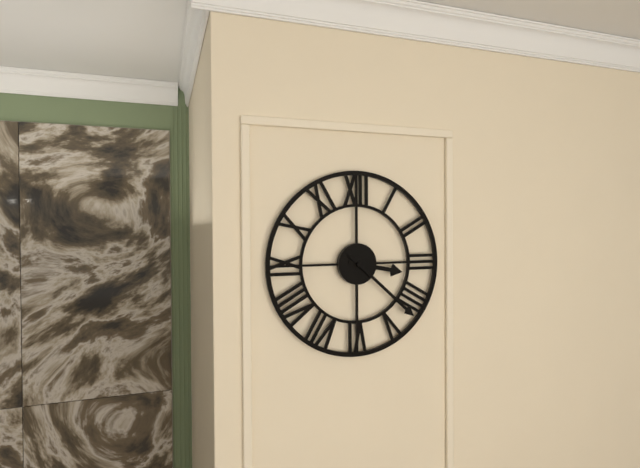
3:22
